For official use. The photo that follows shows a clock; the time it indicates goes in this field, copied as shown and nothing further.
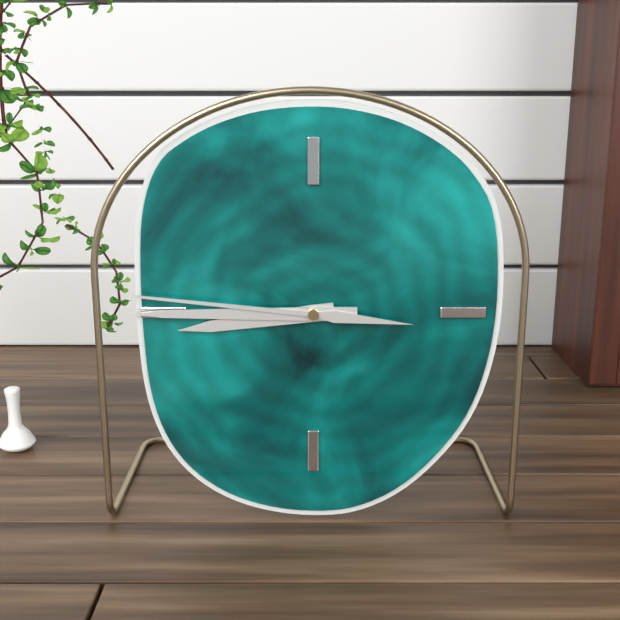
8:45:46
